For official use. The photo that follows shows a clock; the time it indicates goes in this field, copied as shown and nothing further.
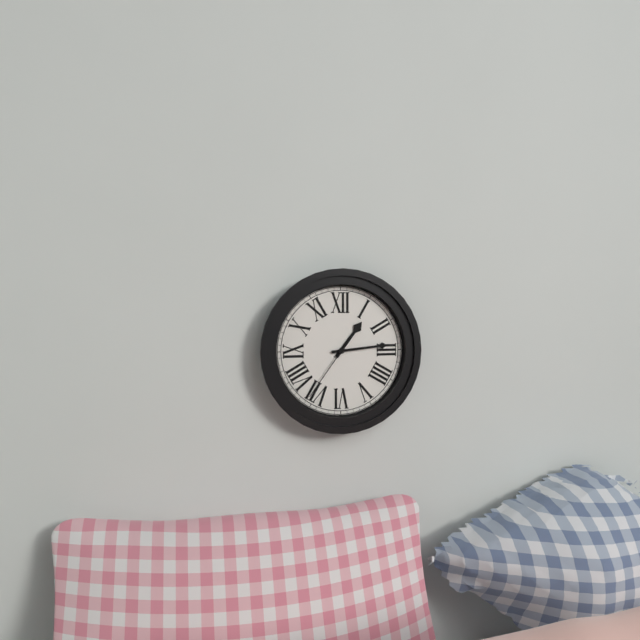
1:14:36
